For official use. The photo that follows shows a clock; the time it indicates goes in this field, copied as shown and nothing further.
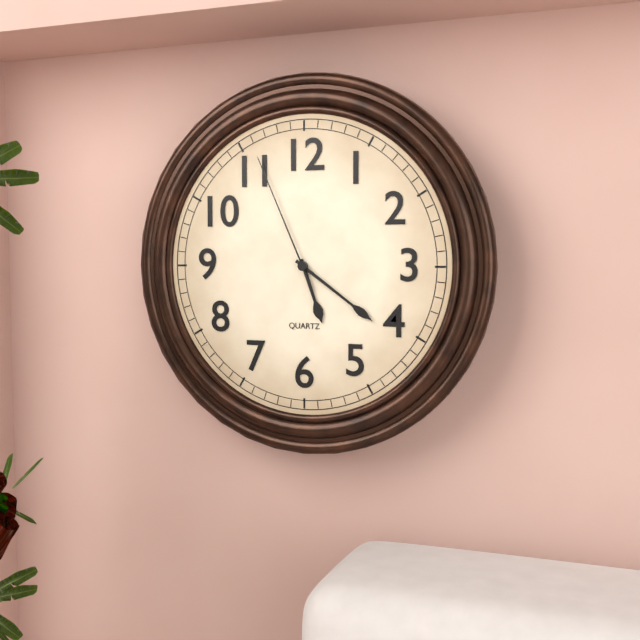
5:21:56
